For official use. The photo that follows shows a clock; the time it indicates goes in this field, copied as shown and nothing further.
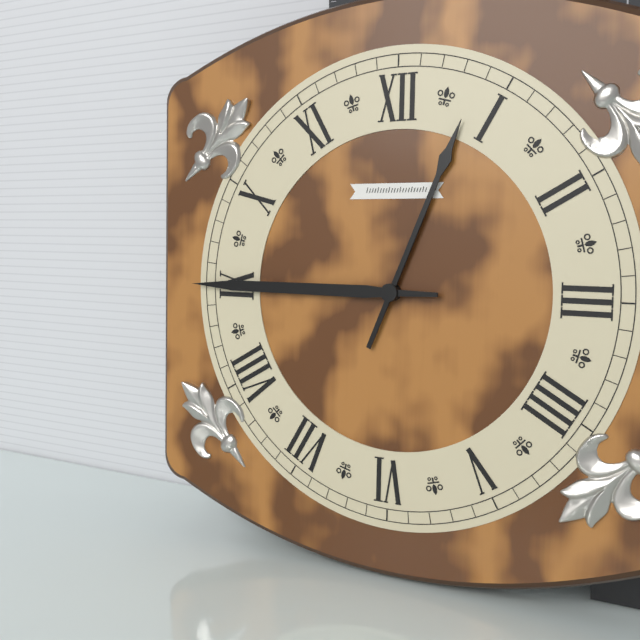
12:45
